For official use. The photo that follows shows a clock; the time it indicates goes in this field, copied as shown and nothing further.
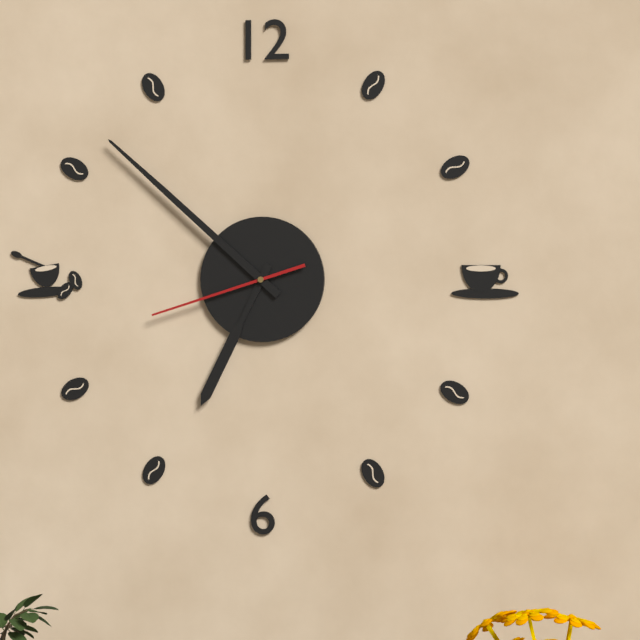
6:52:42
